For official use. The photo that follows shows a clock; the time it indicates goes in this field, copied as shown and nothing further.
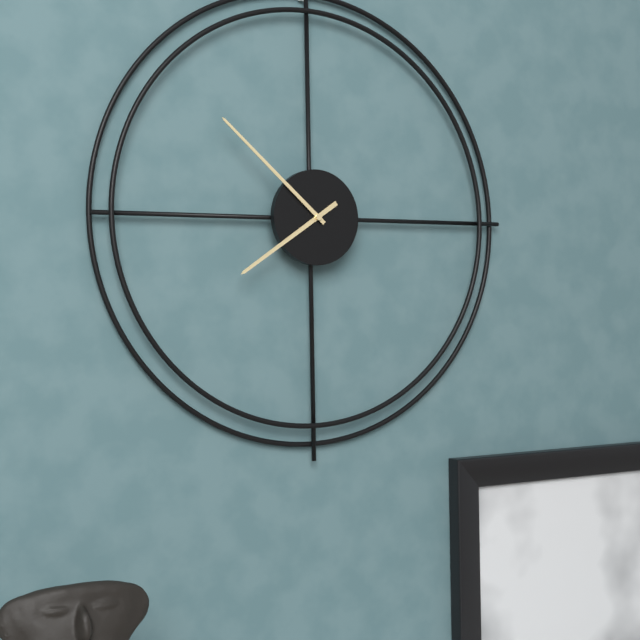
7:52
